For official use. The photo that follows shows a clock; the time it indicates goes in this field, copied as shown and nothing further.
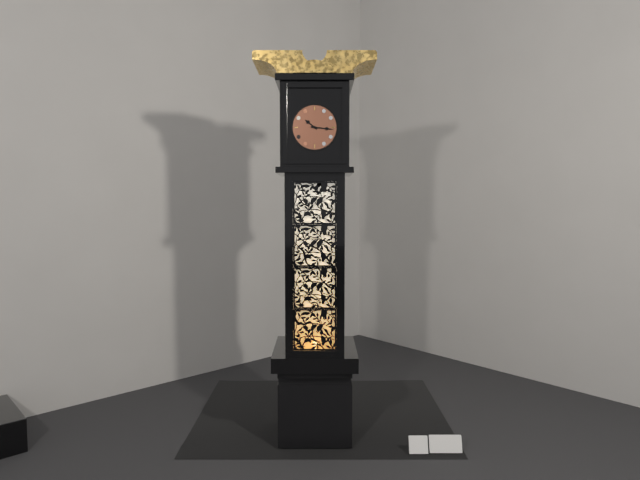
10:16
